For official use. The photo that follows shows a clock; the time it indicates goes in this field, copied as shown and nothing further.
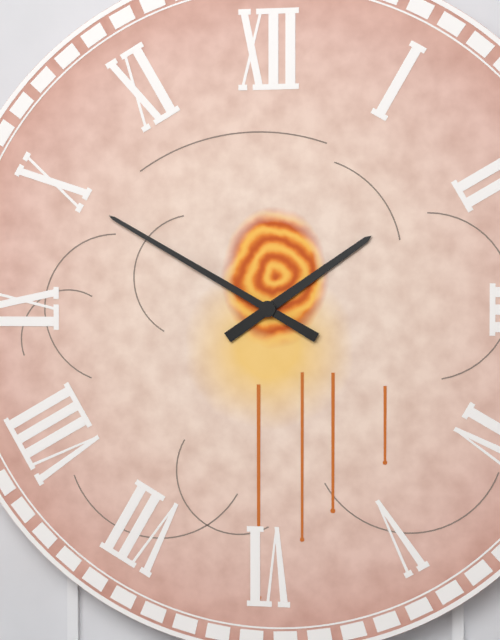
1:50
